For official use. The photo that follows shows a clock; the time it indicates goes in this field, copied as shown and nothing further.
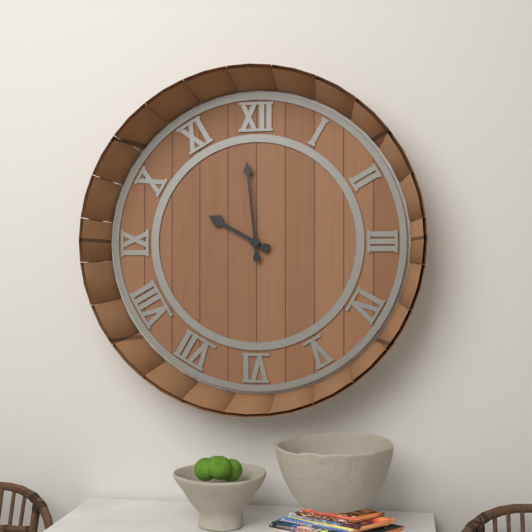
9:59
